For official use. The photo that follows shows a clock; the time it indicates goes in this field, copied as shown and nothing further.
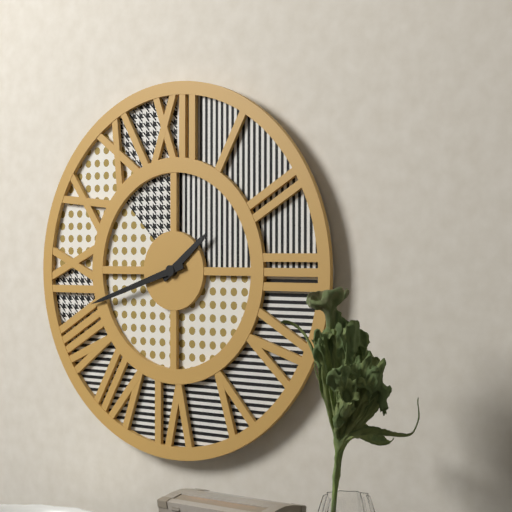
1:42
